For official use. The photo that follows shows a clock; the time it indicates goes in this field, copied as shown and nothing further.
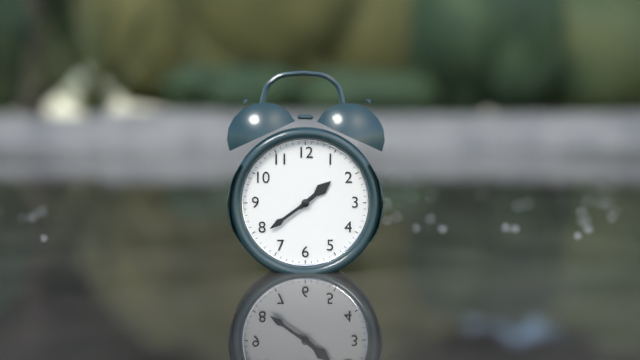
1:39
